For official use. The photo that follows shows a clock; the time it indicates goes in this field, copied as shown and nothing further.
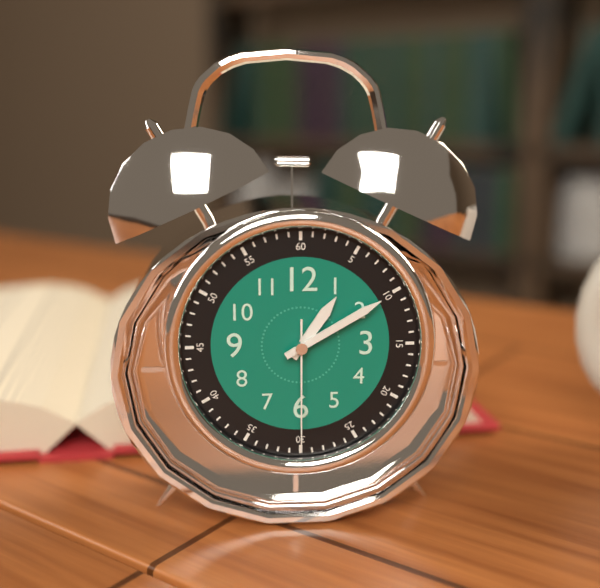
1:10:30
